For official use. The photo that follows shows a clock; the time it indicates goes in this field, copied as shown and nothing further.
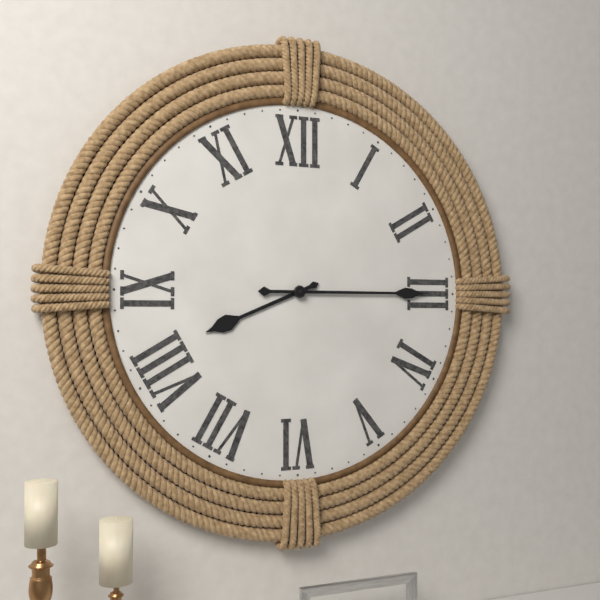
8:15
